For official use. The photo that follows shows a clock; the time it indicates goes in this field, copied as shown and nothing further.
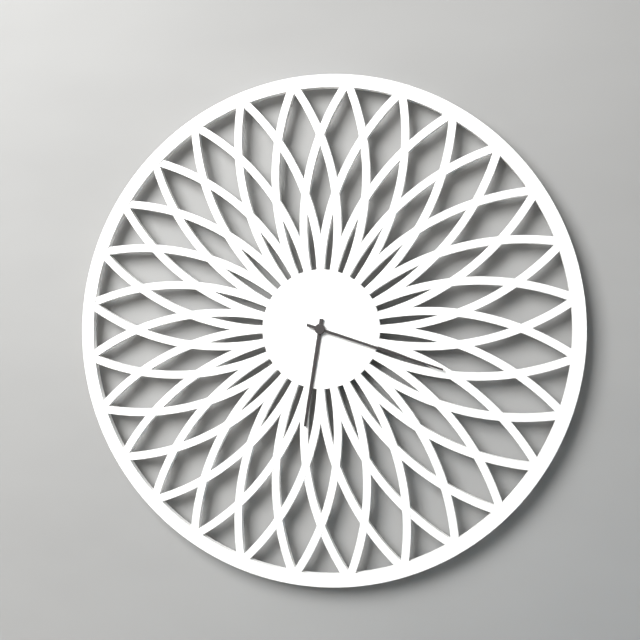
6:18
